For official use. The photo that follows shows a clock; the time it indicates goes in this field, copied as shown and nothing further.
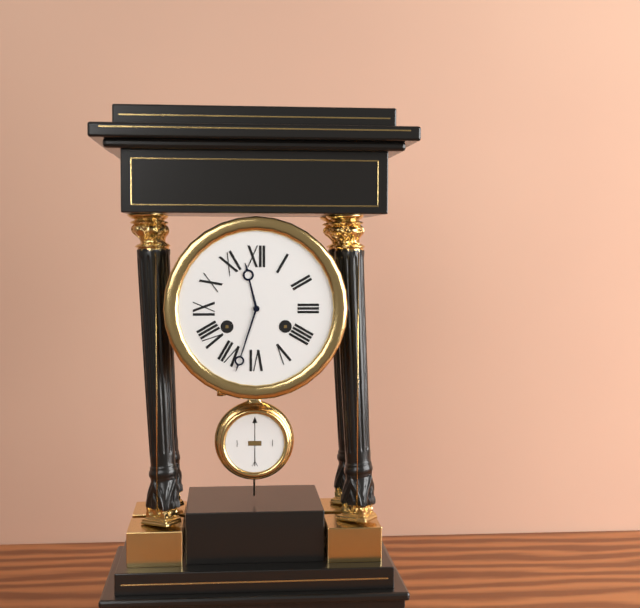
11:33
